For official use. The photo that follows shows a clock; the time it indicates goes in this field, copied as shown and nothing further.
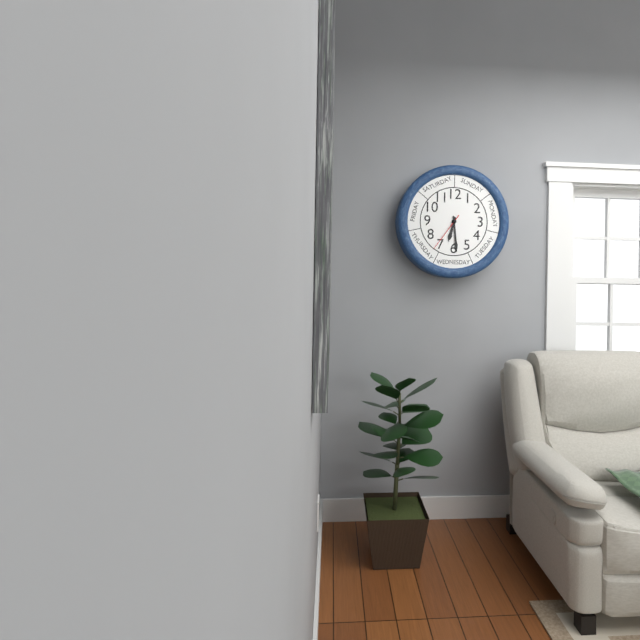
6:29
